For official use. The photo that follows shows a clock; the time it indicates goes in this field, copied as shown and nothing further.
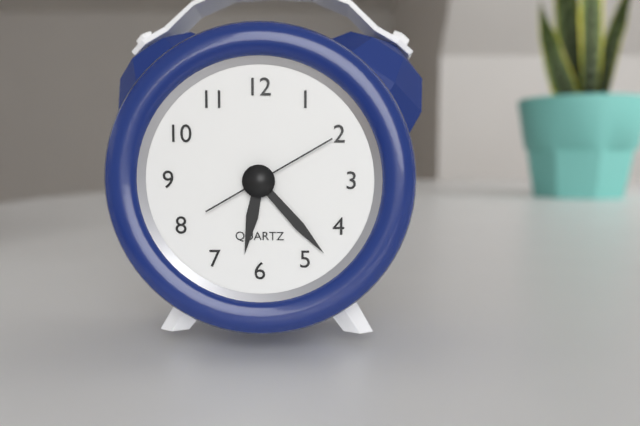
6:23:10
